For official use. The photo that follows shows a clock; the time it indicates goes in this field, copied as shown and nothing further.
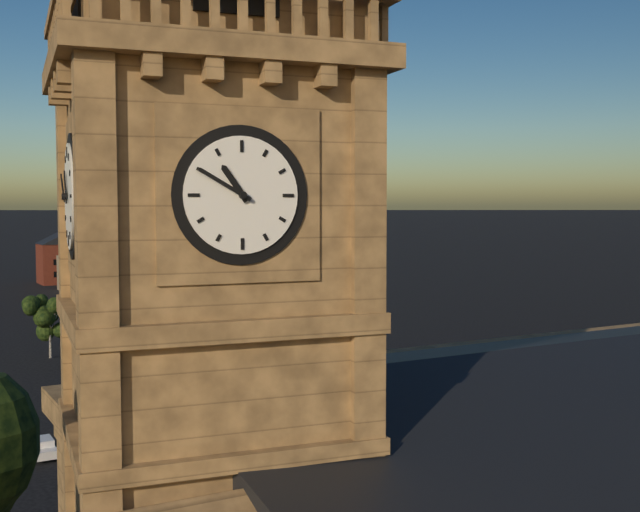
10:50
